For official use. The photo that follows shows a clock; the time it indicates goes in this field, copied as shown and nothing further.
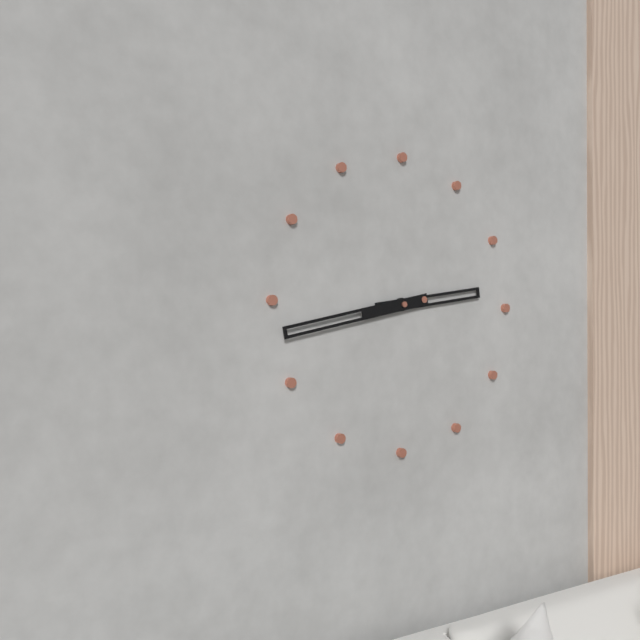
2:43
